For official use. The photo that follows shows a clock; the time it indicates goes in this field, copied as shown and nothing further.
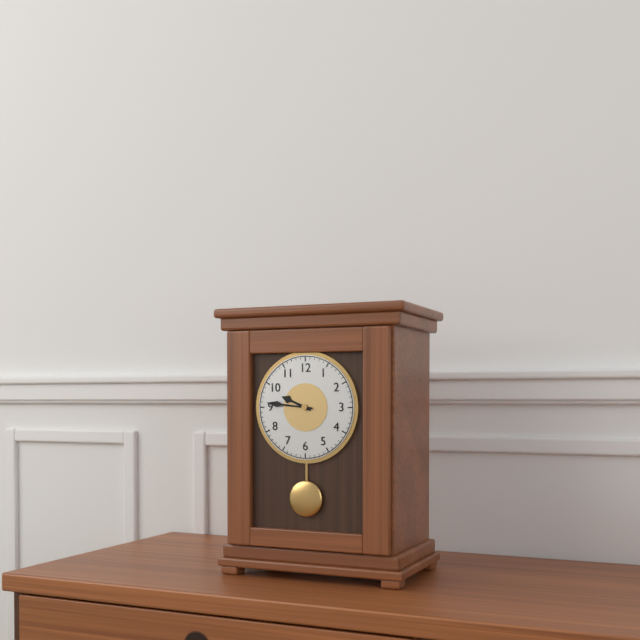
9:46
